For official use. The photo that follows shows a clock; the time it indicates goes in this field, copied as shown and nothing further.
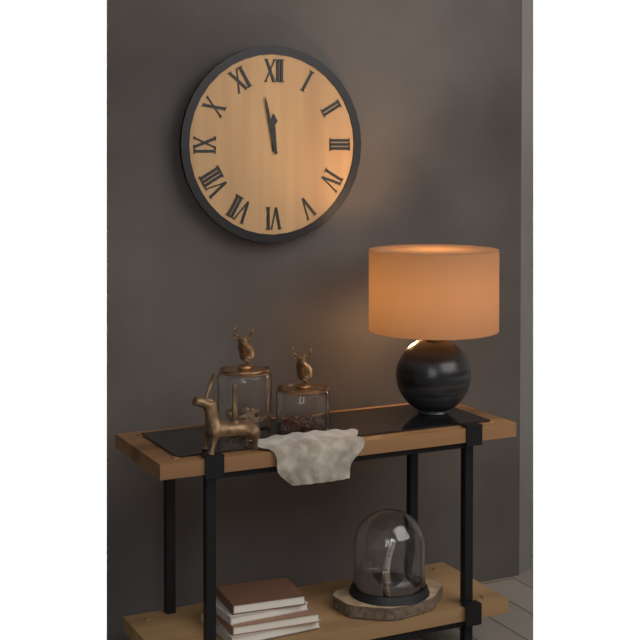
11:58
